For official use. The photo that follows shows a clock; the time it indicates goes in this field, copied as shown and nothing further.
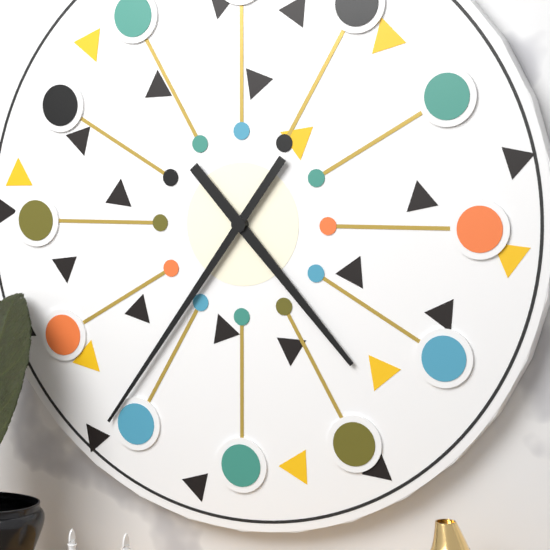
4:36
